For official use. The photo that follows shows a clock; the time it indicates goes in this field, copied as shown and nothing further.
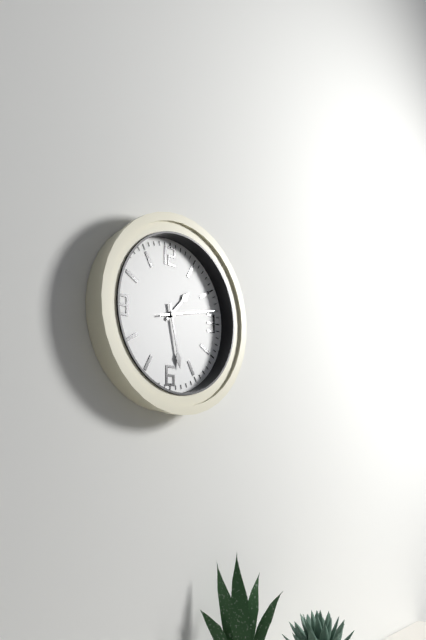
1:28:13
